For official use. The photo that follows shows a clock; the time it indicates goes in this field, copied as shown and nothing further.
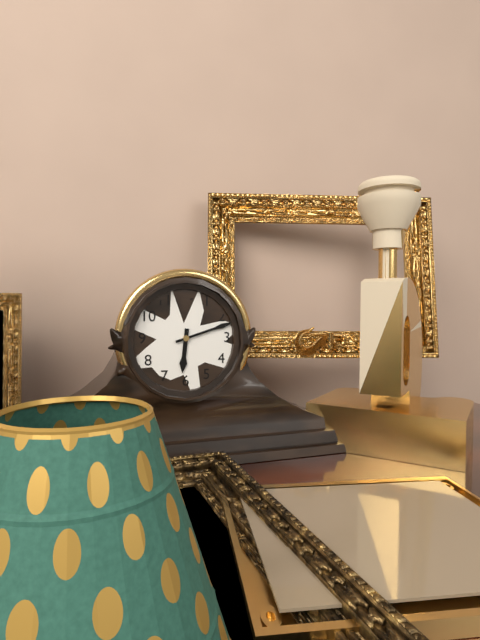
6:12
